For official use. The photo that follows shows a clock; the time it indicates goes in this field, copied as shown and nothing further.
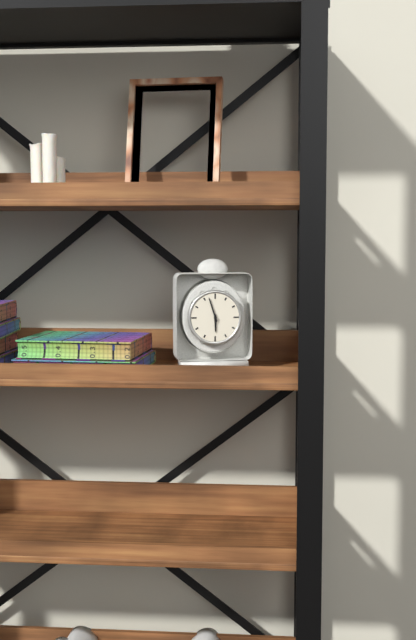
5:57
